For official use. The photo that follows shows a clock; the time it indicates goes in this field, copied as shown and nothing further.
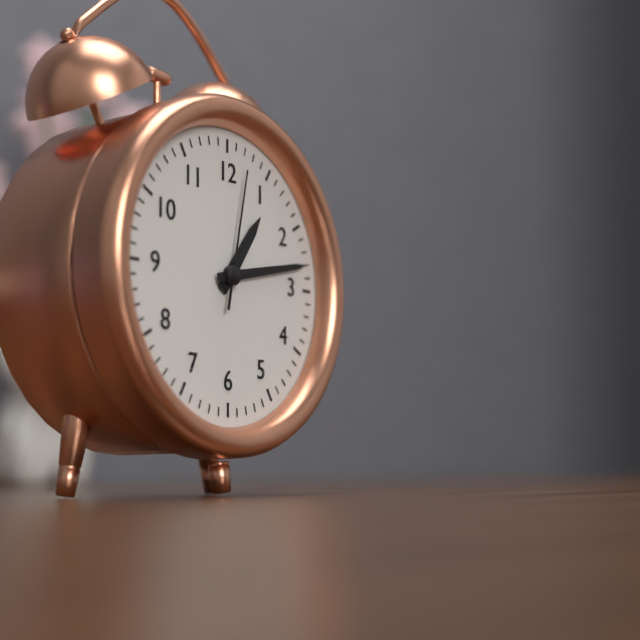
1:13:02
